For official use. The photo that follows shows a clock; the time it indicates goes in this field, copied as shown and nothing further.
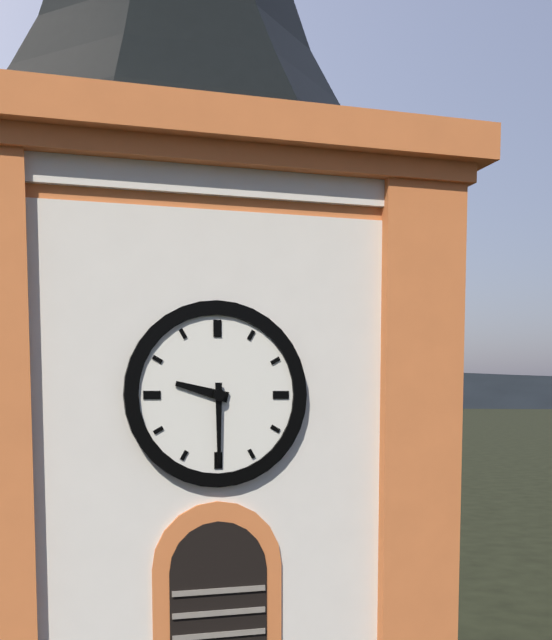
9:30
